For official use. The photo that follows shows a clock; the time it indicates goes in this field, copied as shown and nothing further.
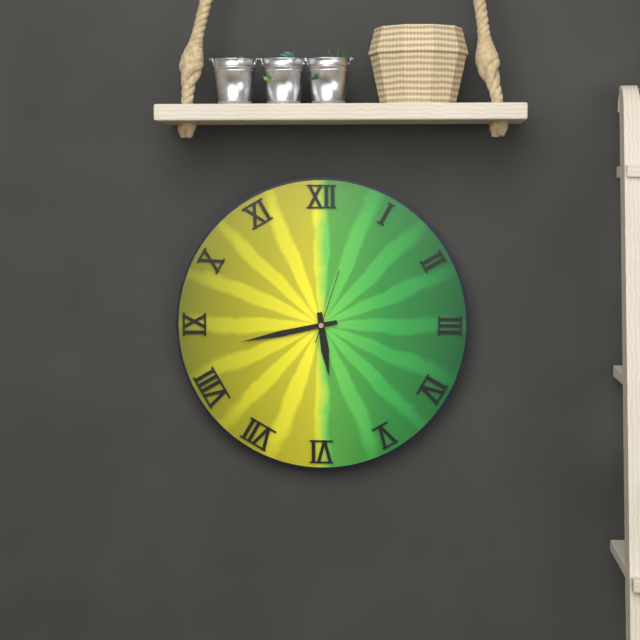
5:43:03
